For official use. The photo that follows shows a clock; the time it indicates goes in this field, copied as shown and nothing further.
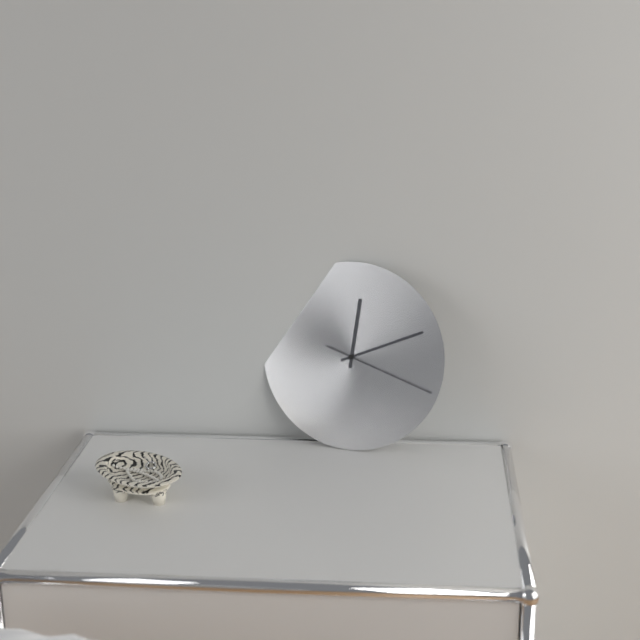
12:11:18
